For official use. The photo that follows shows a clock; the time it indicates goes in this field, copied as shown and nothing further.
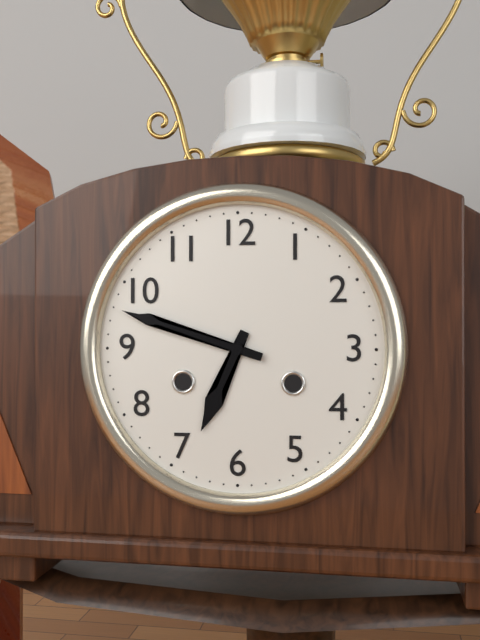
6:48
